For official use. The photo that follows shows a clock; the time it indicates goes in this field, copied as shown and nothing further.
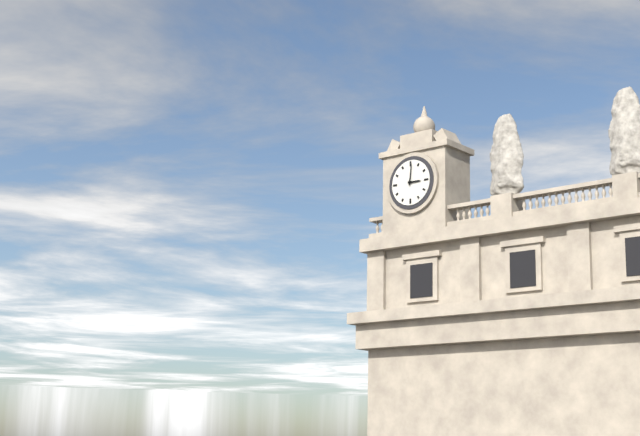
3:01
